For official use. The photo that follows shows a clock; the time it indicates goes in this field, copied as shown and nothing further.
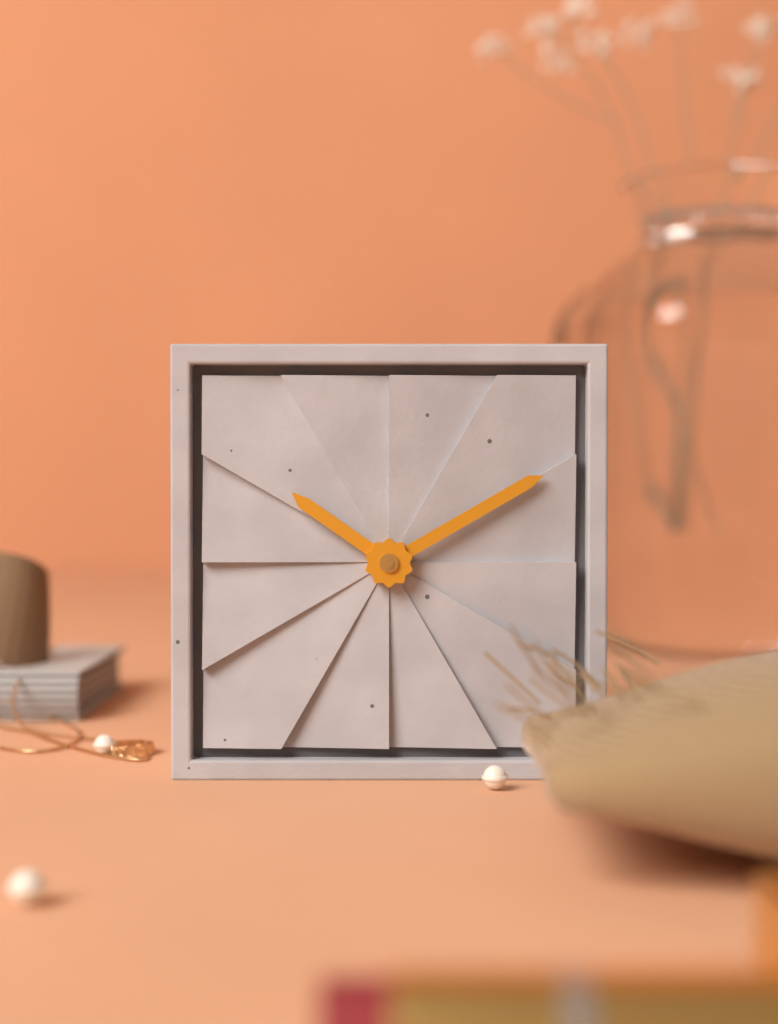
10:10
